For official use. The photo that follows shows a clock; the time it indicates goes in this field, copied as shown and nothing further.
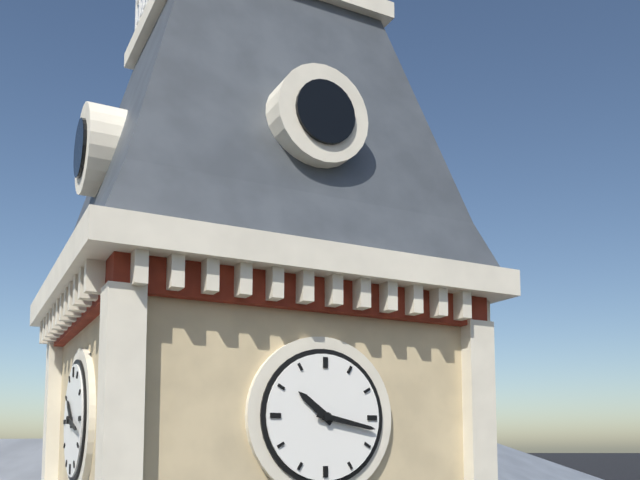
10:17
